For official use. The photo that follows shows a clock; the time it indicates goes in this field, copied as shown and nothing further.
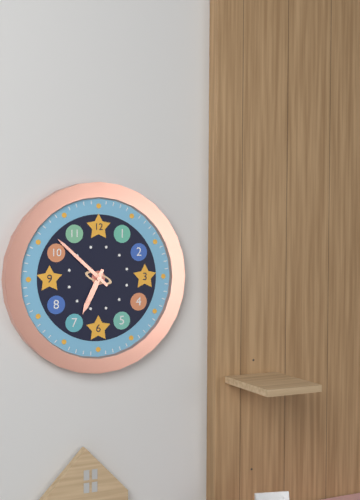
6:52
